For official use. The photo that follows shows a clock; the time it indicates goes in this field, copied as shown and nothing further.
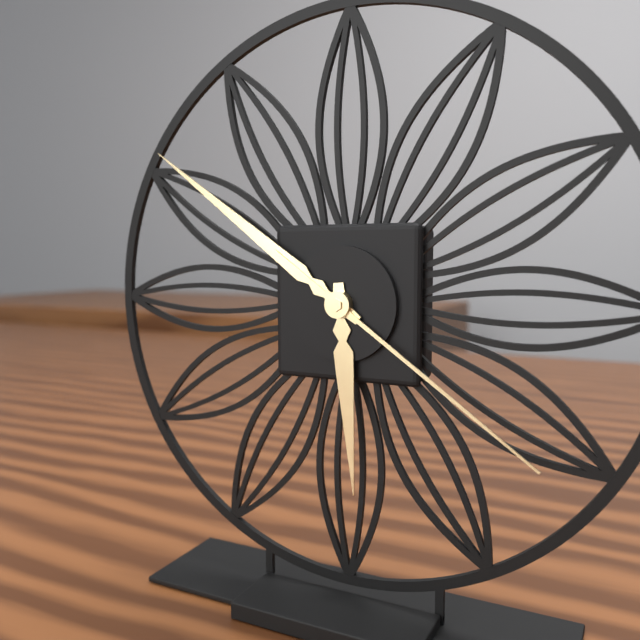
5:51:21
